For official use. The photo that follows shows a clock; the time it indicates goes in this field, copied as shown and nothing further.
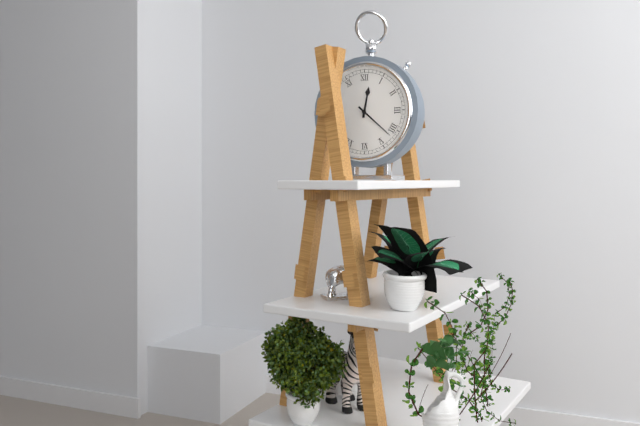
12:22
